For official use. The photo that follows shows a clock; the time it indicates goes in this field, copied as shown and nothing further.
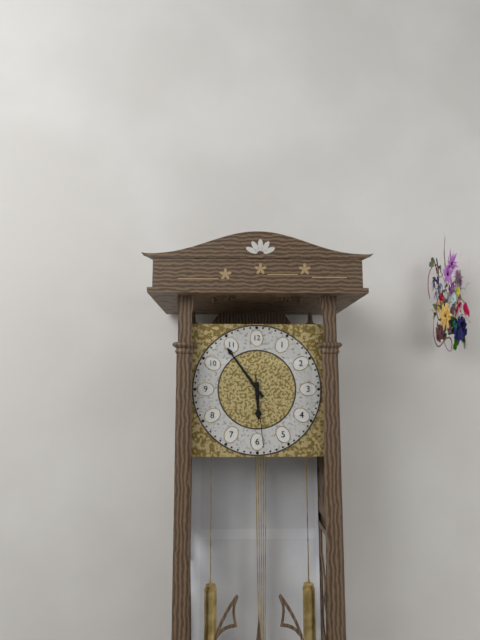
5:54:29
